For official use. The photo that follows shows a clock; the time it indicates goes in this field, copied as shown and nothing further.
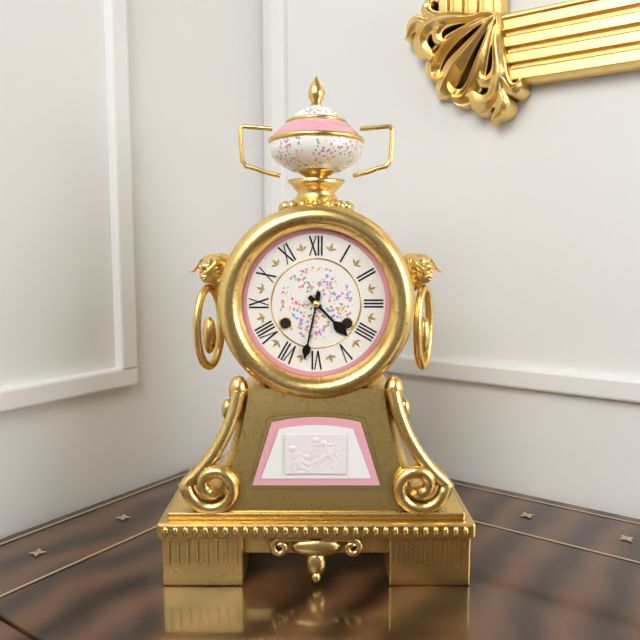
4:32
